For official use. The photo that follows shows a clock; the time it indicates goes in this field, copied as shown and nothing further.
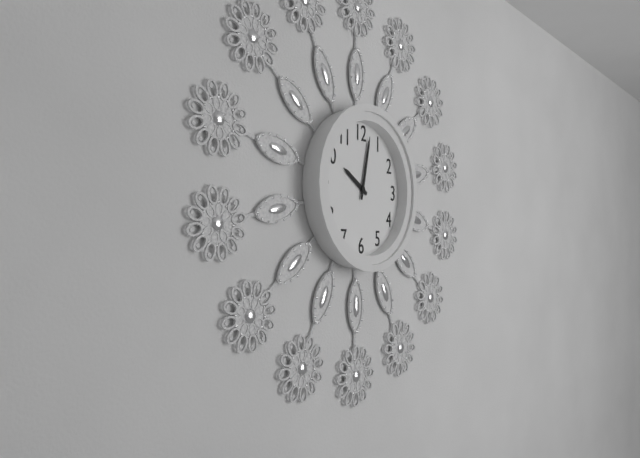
10:02
